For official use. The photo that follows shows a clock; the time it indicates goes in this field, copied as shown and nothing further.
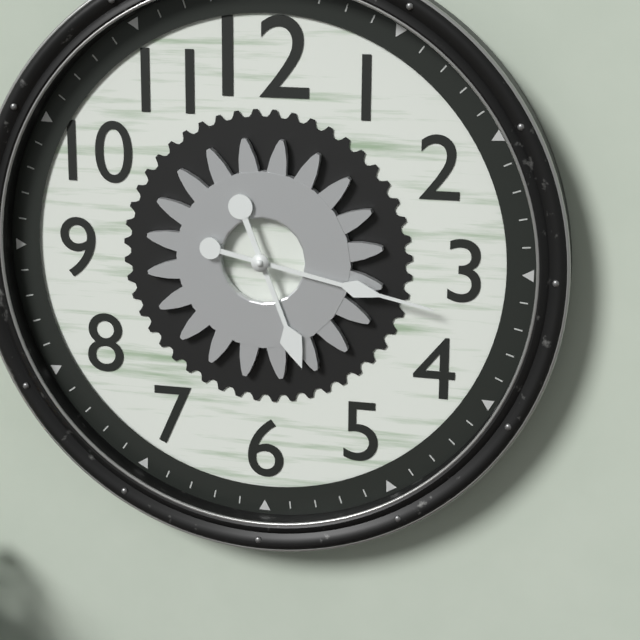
5:17
